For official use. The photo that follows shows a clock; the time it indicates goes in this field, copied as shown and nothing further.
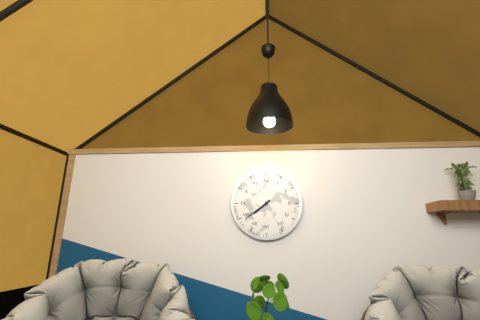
7:39
